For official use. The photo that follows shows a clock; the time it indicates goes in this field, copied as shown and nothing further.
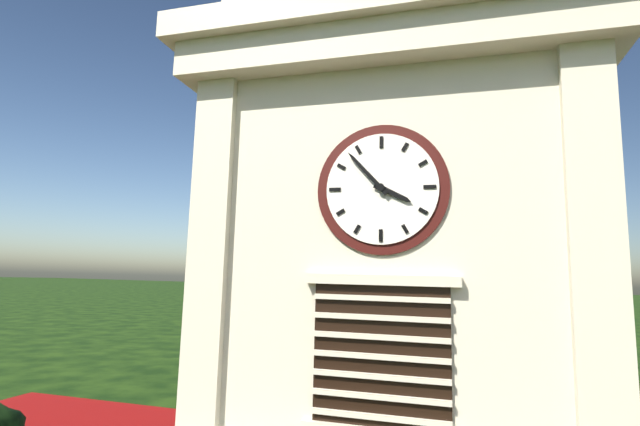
3:53
